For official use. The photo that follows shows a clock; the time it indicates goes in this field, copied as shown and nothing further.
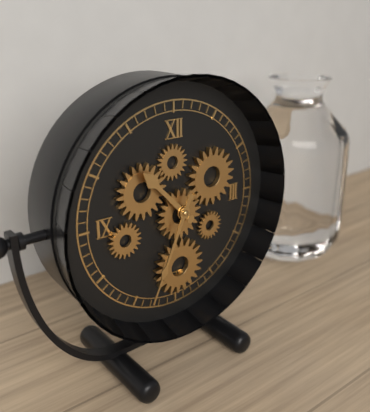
10:34
